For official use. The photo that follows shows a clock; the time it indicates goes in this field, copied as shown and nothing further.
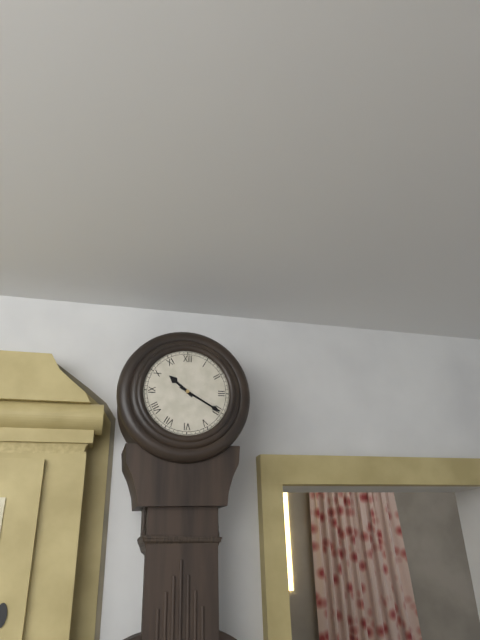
10:20
